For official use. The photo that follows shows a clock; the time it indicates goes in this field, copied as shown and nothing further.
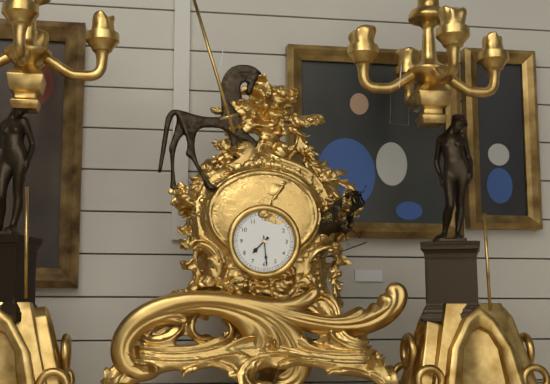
7:29
